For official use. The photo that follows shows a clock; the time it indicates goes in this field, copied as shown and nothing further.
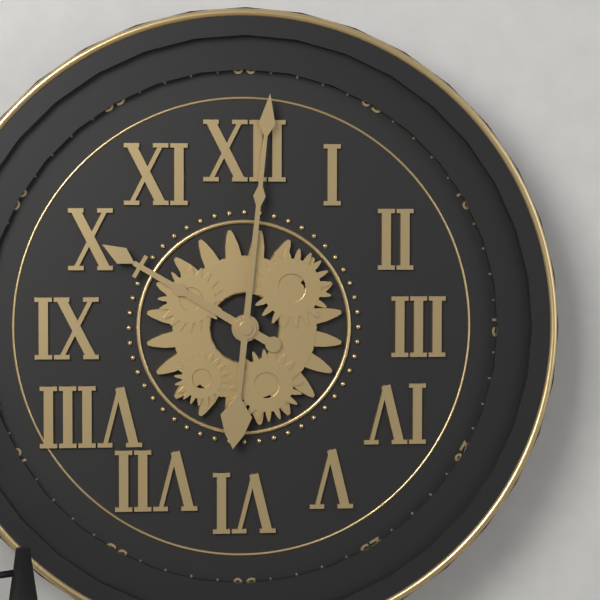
10:01
